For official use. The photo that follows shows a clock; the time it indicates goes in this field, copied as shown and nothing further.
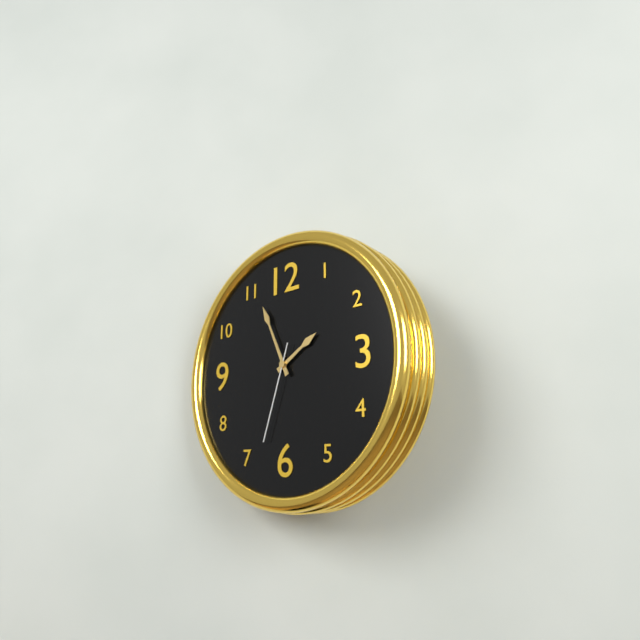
1:56:33
